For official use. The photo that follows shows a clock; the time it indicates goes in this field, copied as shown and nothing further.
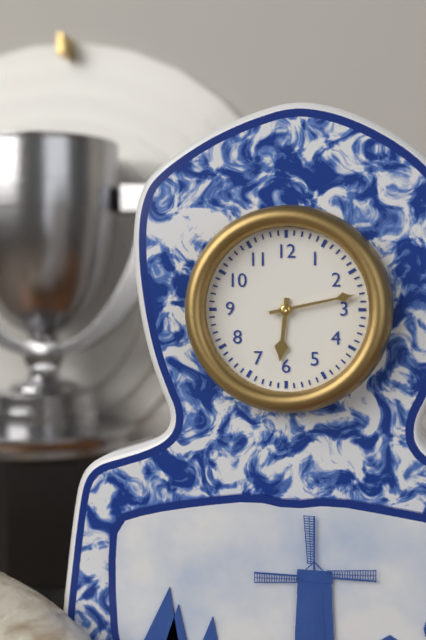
6:13
